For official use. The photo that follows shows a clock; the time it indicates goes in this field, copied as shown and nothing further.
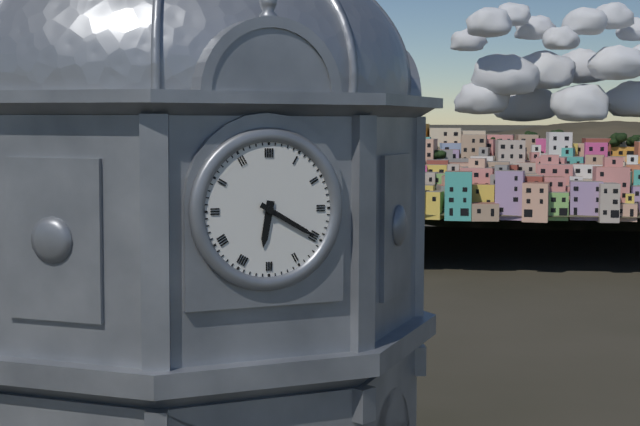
6:20
